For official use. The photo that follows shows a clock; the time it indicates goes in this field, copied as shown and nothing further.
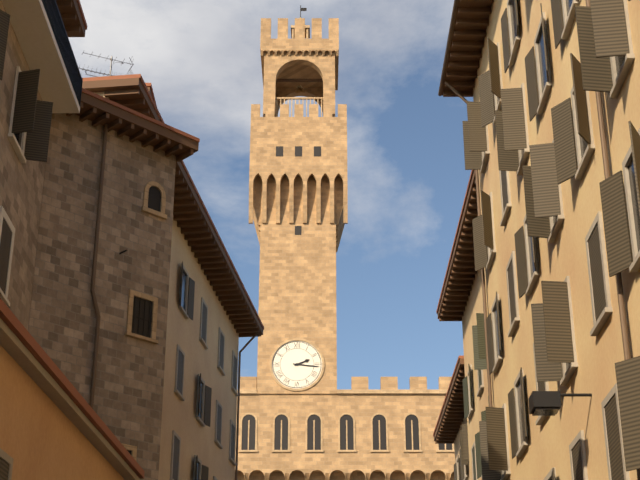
2:16
